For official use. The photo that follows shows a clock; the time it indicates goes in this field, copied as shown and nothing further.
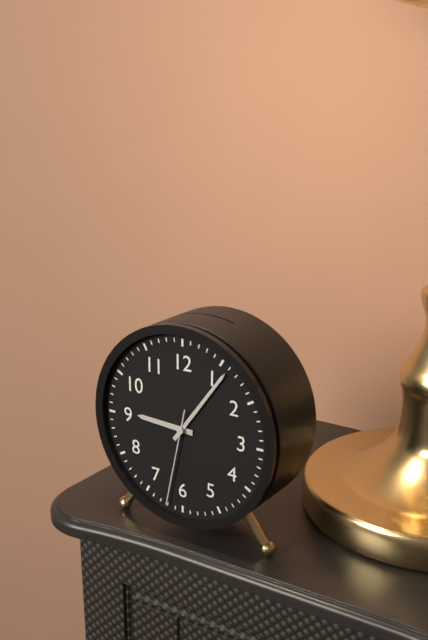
9:06:32
